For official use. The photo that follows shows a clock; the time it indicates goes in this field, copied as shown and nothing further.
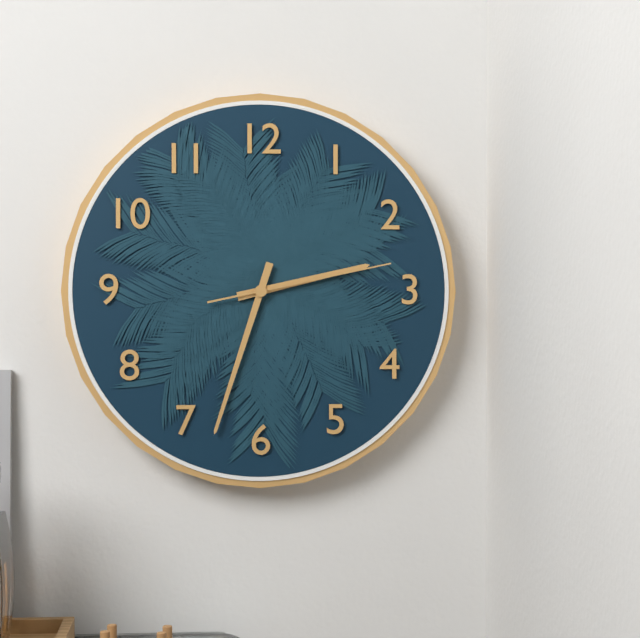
2:33:13
